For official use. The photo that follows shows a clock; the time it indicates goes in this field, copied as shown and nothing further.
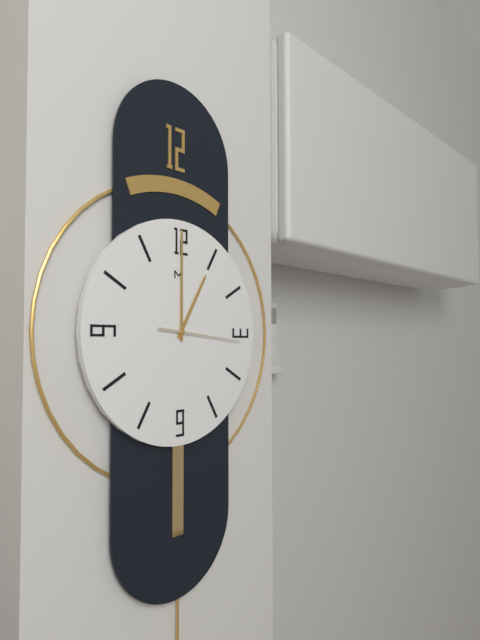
1:00:16
